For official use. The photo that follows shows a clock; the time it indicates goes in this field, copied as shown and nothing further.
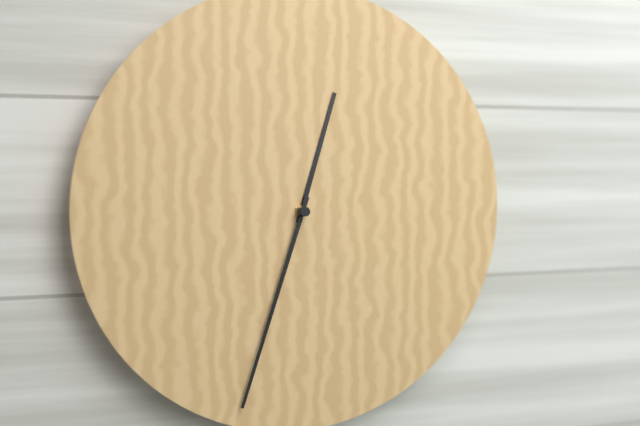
12:33
